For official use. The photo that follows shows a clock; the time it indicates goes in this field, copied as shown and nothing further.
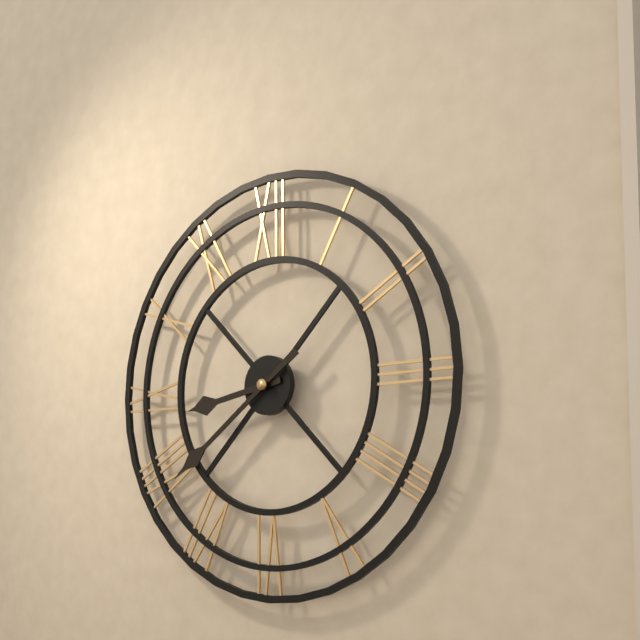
8:39
